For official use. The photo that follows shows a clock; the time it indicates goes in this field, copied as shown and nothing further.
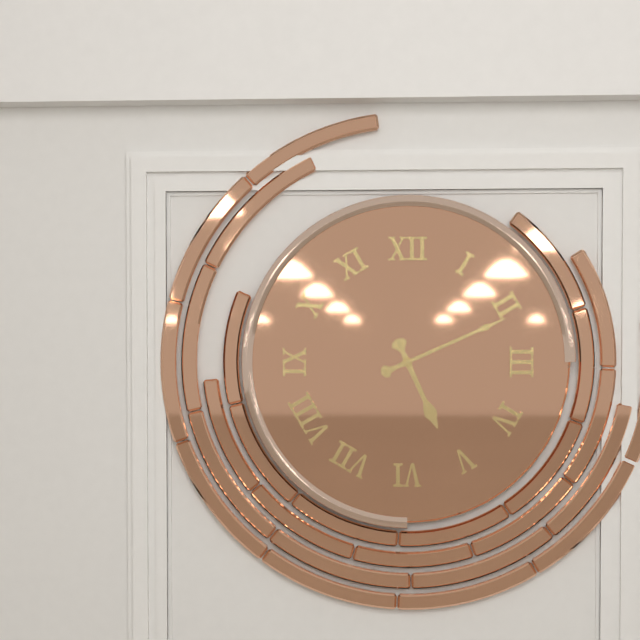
5:11
